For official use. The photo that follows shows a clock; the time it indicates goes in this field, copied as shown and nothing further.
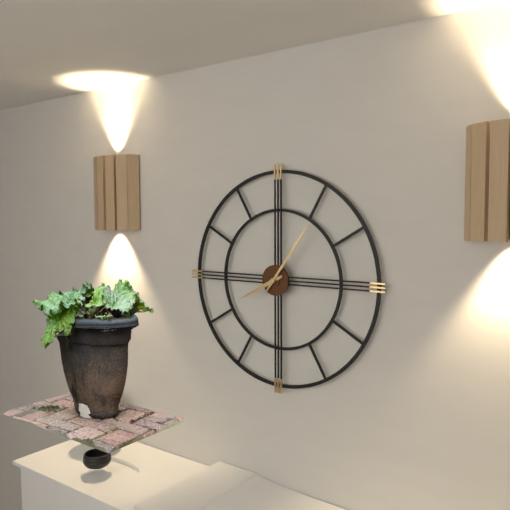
8:06
